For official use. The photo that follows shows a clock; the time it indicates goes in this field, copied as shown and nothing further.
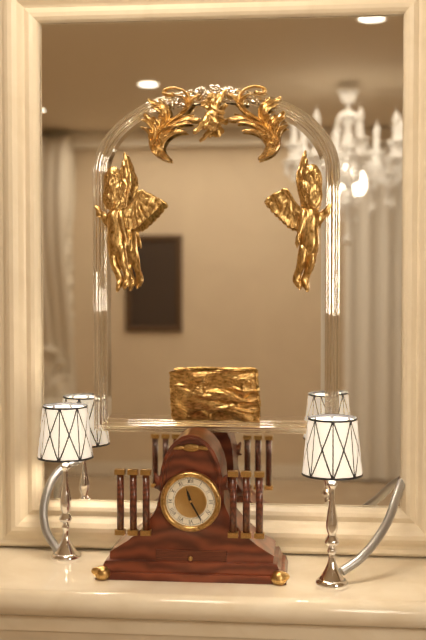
11:25
